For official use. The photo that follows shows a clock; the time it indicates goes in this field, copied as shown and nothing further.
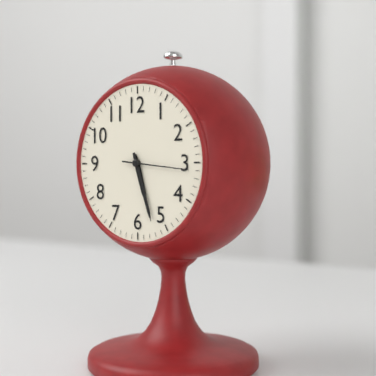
5:27:16
